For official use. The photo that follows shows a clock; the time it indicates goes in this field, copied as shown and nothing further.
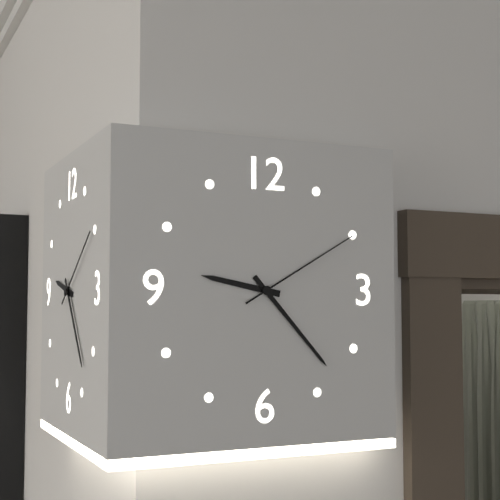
9:23:10
